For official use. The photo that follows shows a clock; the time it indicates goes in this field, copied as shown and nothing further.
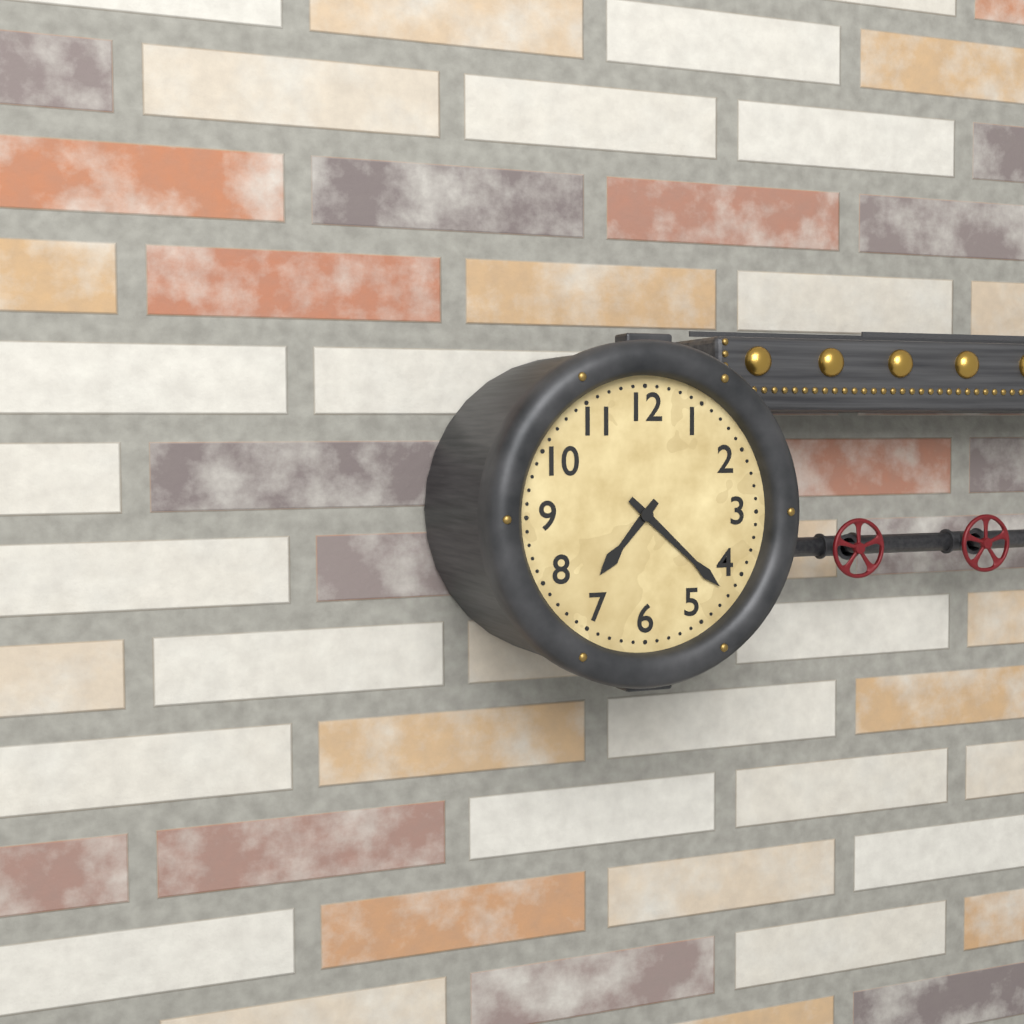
7:22
